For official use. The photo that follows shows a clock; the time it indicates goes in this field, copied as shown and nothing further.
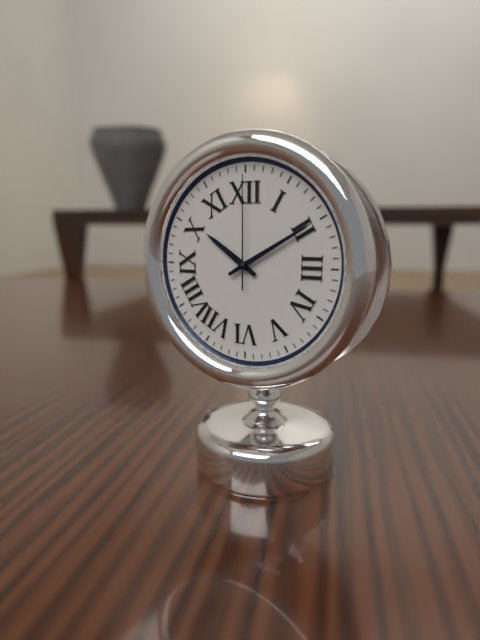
10:10:00
